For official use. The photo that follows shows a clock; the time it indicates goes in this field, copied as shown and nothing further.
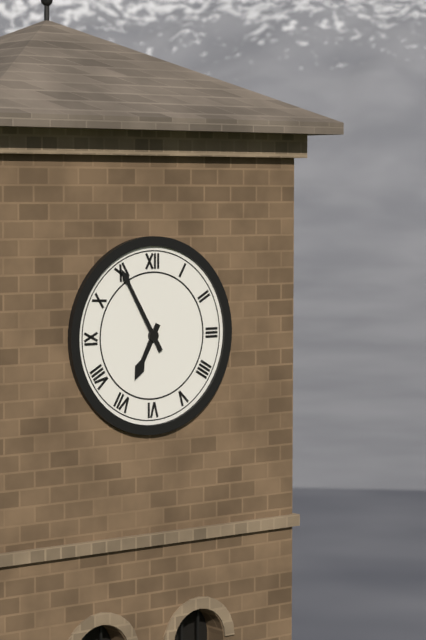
6:55
